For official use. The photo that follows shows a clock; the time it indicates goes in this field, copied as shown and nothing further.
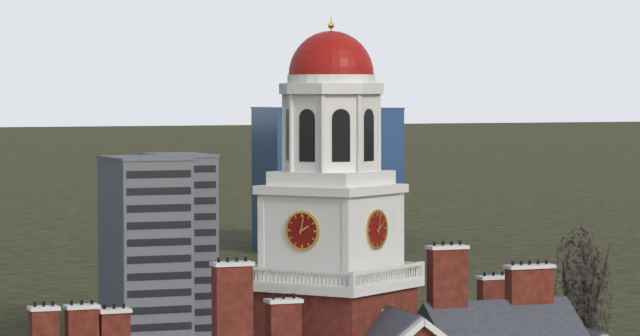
2:02
